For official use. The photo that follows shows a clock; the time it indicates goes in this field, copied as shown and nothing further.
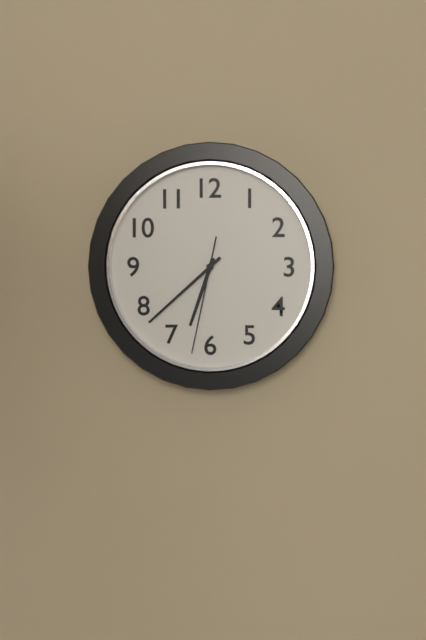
6:38:32
